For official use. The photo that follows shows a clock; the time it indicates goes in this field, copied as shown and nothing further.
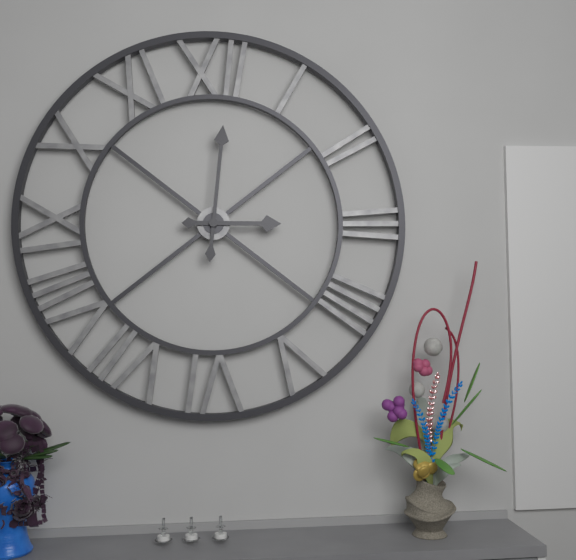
3:01
